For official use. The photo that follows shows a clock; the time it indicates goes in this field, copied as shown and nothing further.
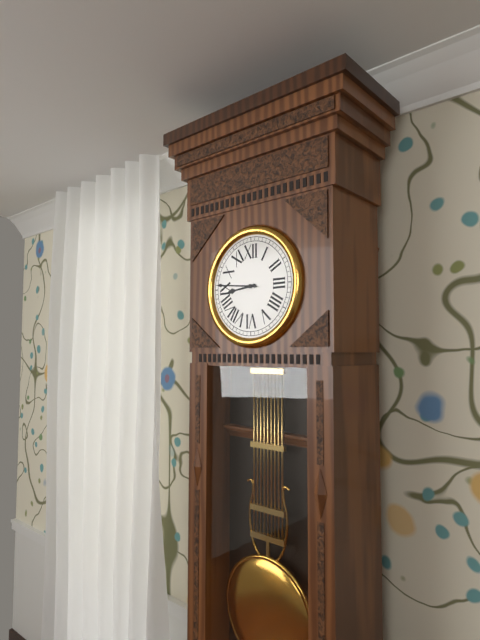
8:46
